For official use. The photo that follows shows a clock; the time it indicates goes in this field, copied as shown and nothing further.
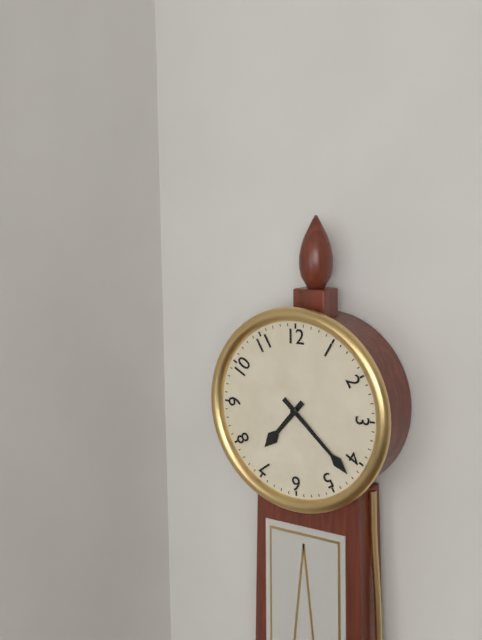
7:22
